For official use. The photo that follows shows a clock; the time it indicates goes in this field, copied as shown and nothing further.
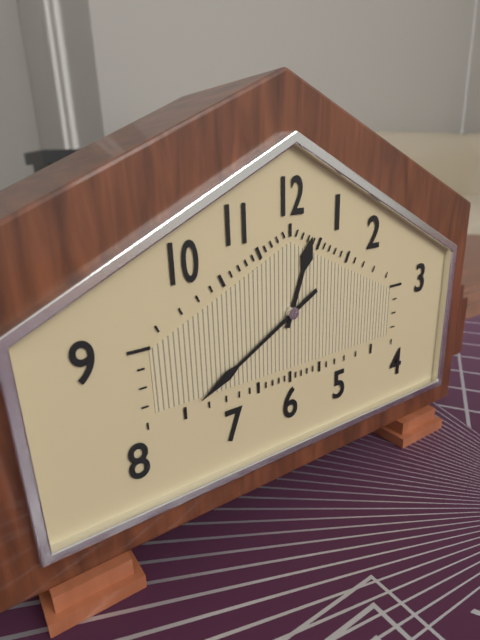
12:40
